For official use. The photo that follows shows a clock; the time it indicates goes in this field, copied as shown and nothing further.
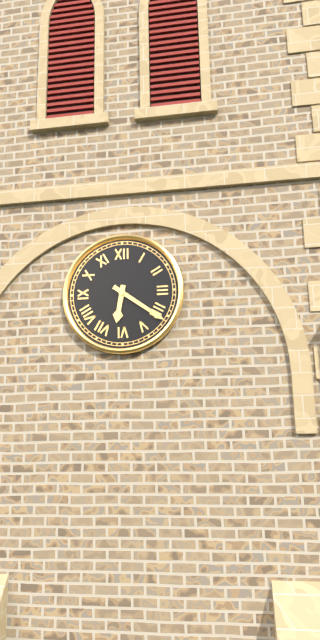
6:21
